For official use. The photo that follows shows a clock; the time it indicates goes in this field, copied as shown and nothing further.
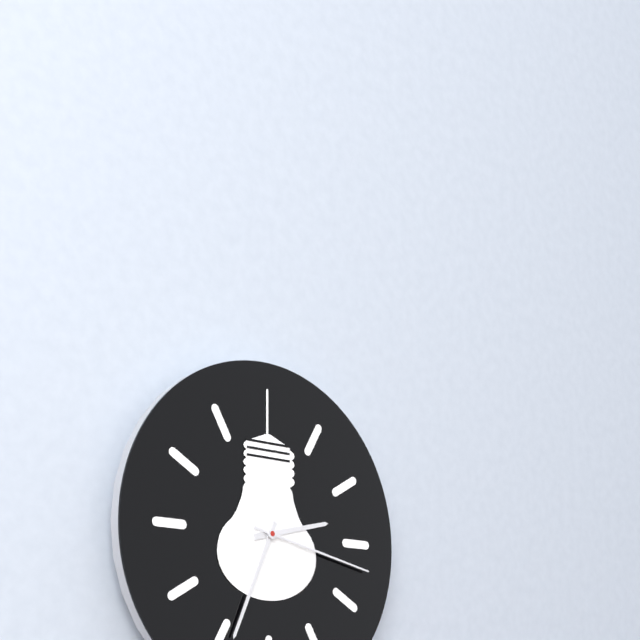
2:34:17
